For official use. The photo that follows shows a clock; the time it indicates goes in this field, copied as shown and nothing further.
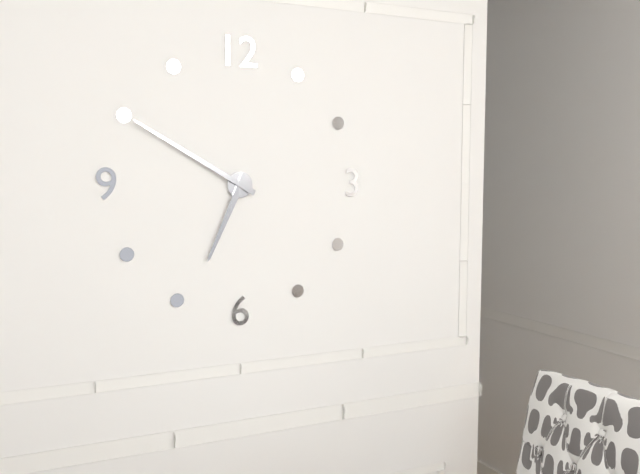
6:50
